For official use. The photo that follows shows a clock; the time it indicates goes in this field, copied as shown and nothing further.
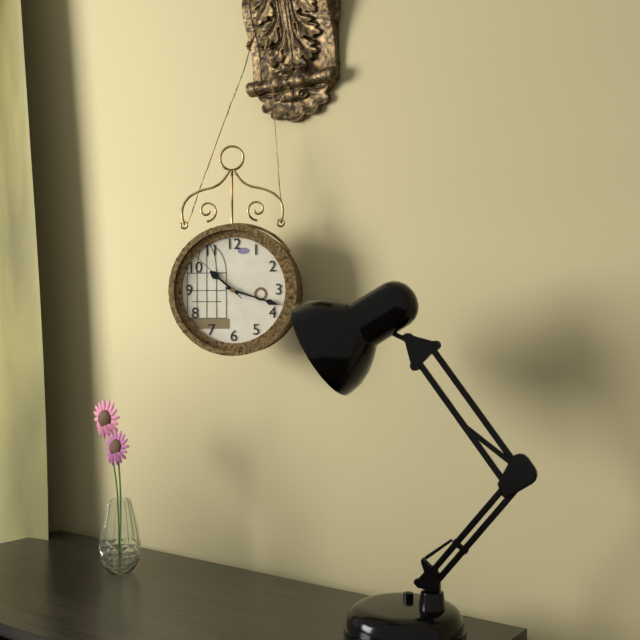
10:18:52
